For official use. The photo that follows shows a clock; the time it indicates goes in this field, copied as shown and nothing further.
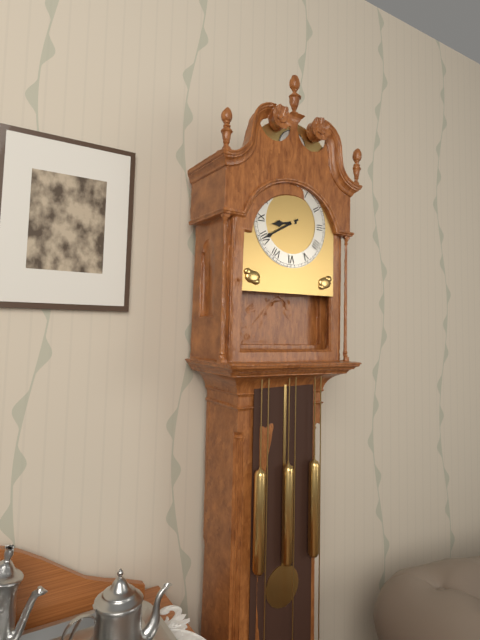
8:40
